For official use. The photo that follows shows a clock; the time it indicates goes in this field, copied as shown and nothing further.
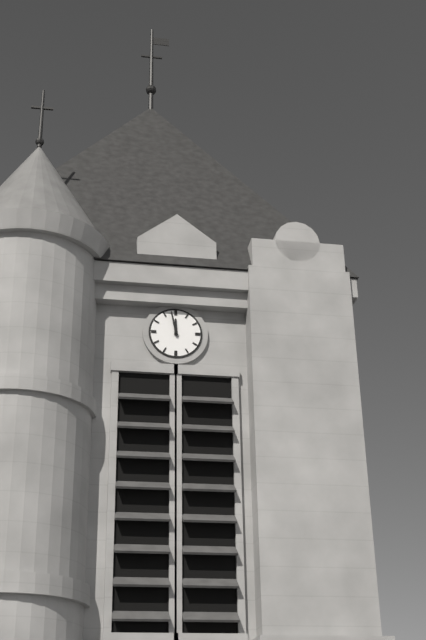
11:58
